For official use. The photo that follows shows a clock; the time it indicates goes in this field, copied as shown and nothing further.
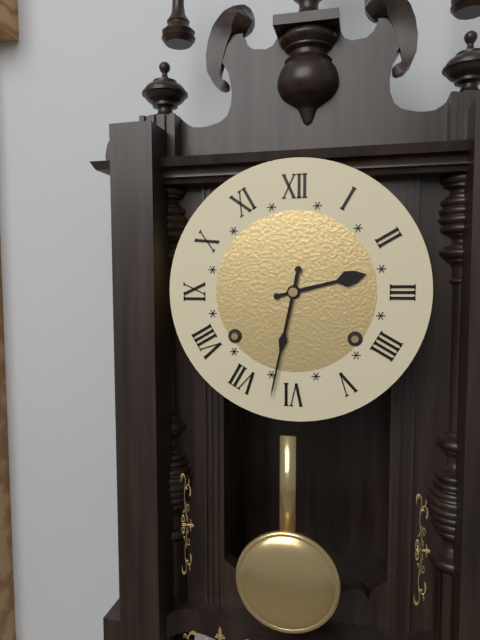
2:32
